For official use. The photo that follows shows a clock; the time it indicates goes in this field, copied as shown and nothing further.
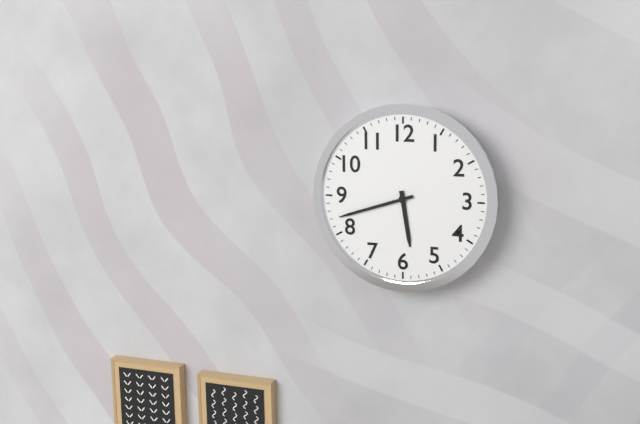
5:42
